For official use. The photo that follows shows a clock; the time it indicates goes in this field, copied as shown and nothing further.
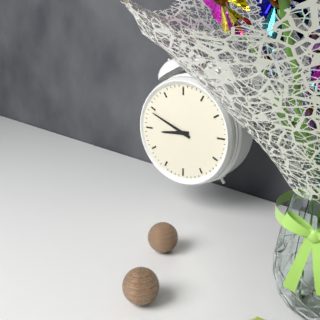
8:49
